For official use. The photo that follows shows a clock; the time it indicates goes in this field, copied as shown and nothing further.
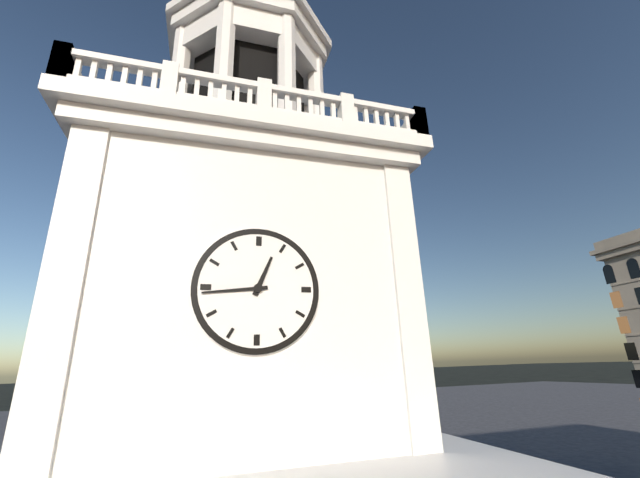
12:44
